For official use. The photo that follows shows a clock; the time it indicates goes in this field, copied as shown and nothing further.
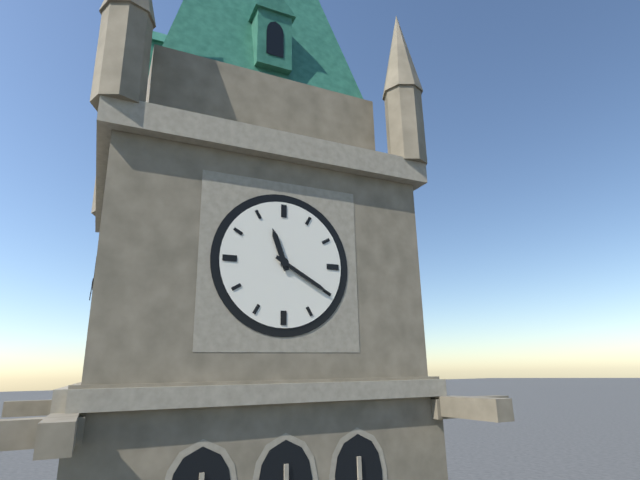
11:20
